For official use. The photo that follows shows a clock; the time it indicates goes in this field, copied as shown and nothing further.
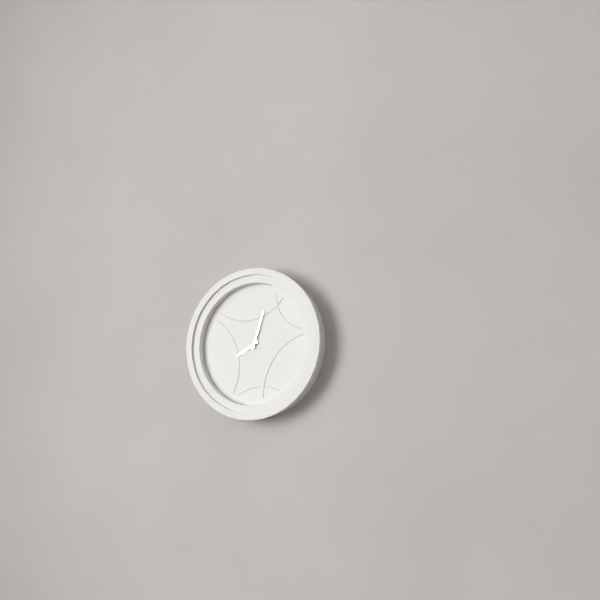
8:03
